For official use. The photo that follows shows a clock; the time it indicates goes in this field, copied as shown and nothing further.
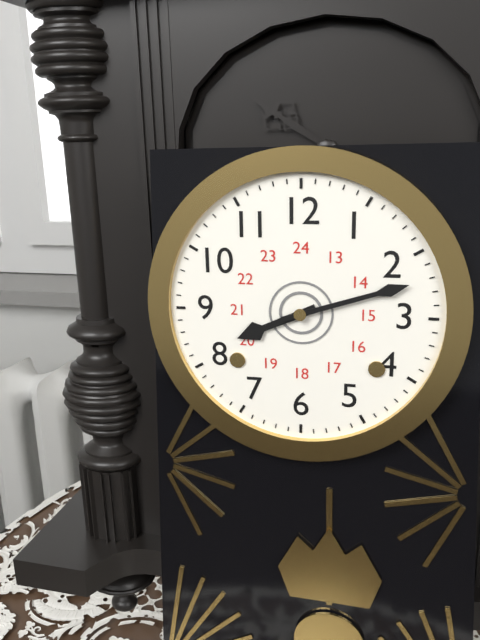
8:12
